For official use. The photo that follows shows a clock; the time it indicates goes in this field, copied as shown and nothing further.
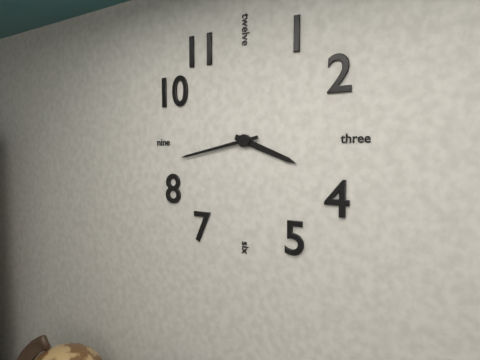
3:43
